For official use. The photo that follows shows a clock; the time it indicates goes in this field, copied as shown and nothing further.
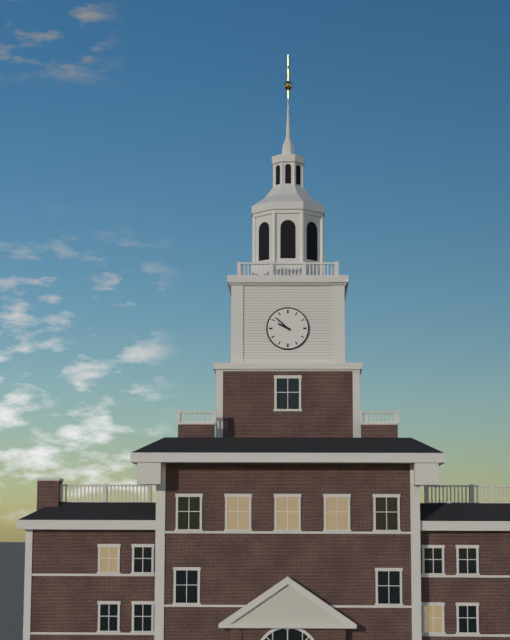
9:52
